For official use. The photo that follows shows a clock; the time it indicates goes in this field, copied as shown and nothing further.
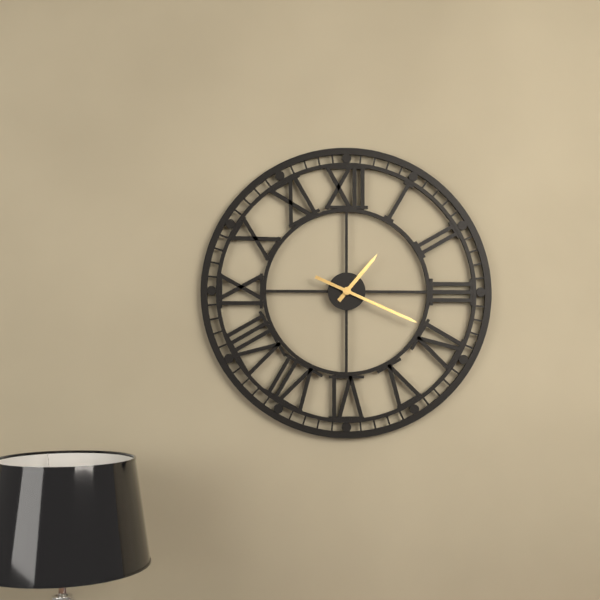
1:19
